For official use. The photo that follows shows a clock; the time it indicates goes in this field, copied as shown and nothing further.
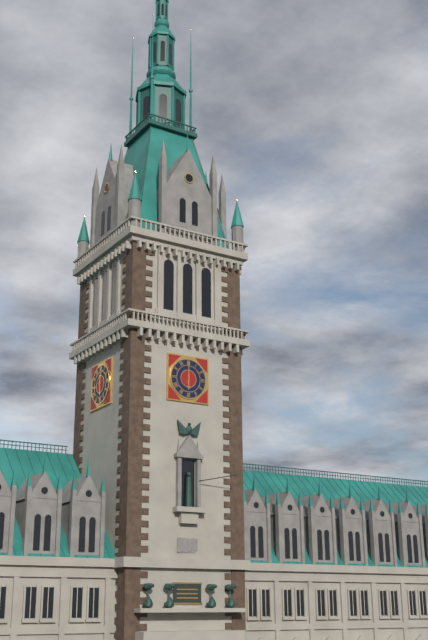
6:00
